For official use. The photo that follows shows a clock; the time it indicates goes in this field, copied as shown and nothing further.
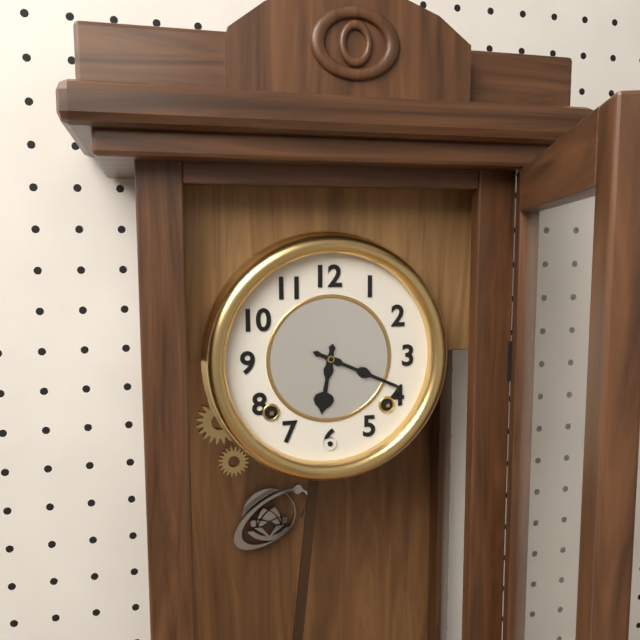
6:19
